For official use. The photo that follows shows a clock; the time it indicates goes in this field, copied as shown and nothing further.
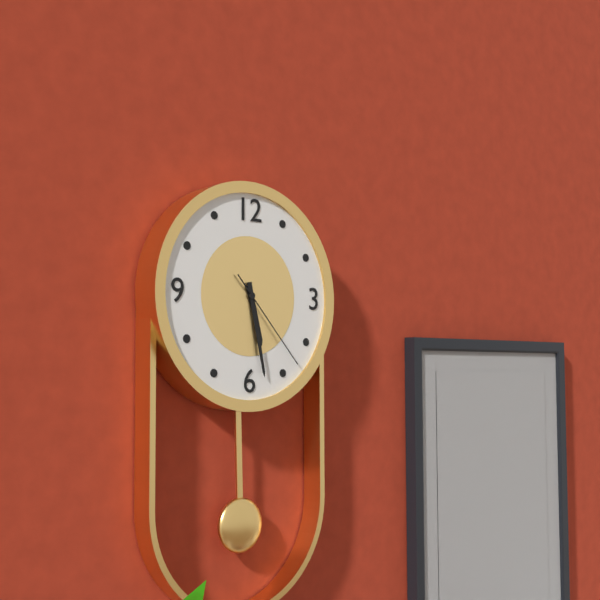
5:28:23
